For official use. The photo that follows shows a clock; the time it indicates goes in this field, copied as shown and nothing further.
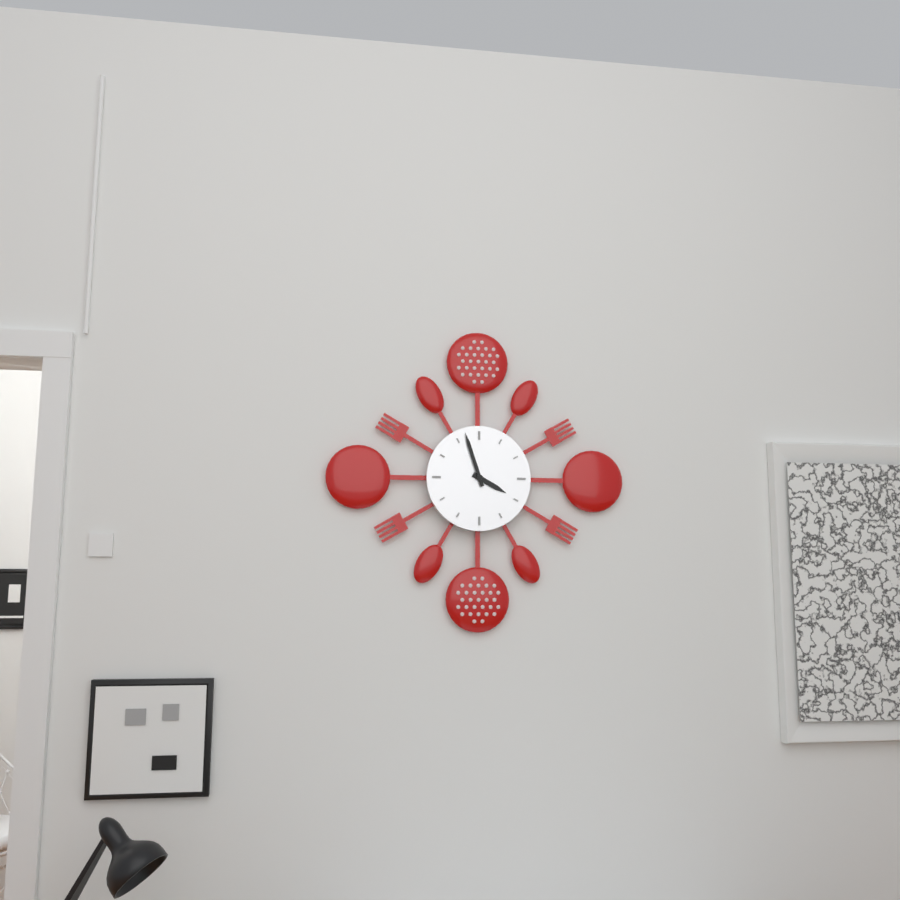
3:57
